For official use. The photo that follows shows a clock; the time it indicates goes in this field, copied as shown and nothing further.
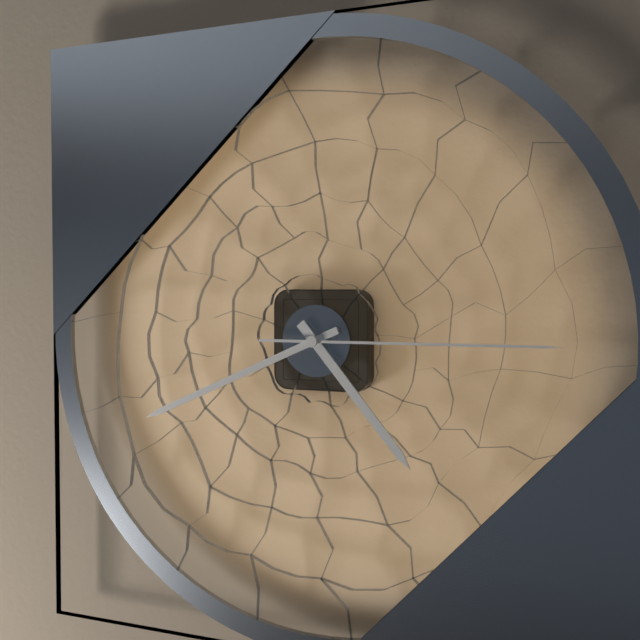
4:41:15
